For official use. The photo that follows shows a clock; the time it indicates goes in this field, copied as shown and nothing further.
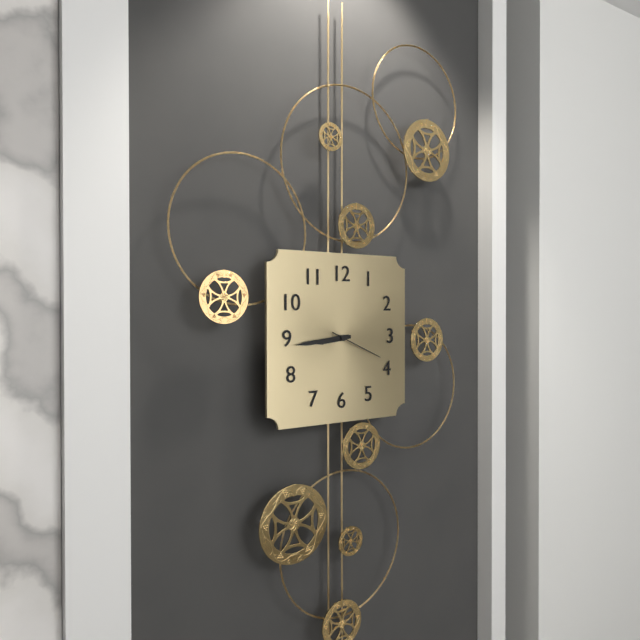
8:44:19
